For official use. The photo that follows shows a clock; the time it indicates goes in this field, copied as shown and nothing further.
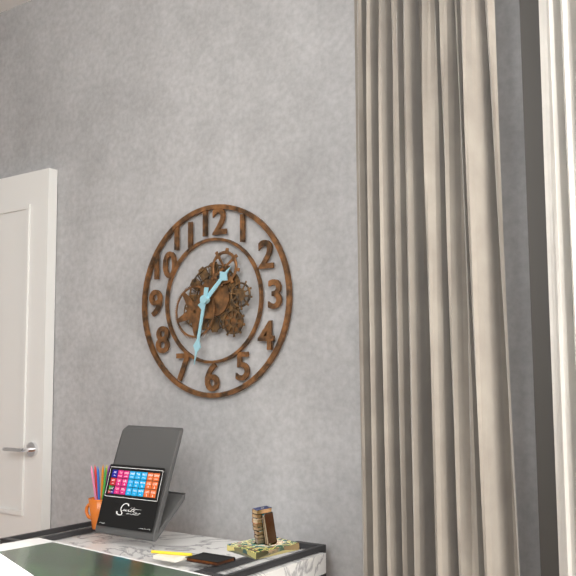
1:32
